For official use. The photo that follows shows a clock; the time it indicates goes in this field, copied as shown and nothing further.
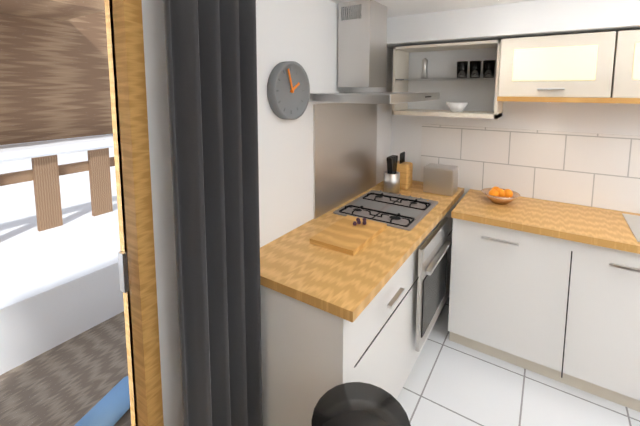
1:57
